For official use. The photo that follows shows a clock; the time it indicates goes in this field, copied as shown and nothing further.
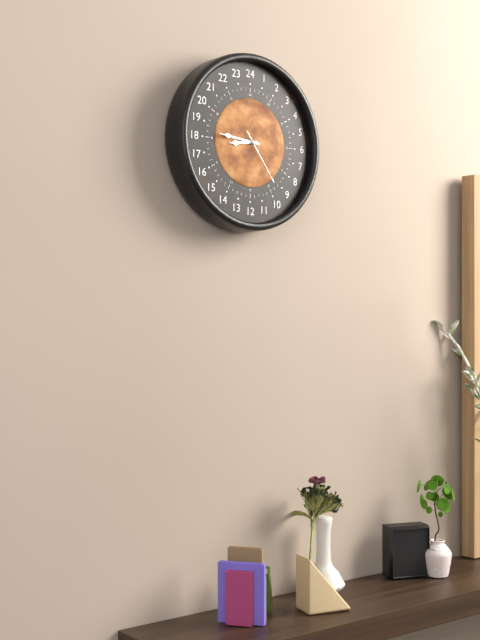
8:46:24
